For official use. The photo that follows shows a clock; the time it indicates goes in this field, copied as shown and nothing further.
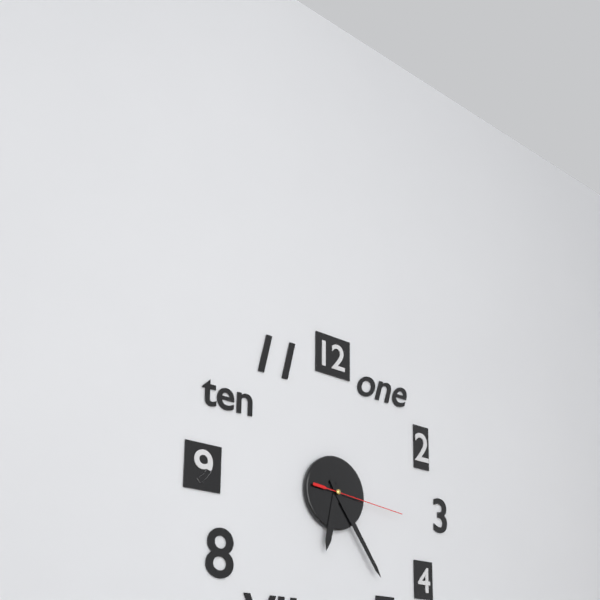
6:24:16
